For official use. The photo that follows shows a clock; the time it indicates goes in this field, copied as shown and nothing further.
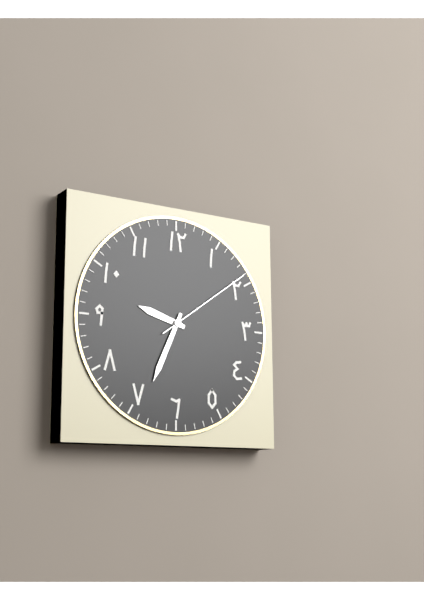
9:34:09
